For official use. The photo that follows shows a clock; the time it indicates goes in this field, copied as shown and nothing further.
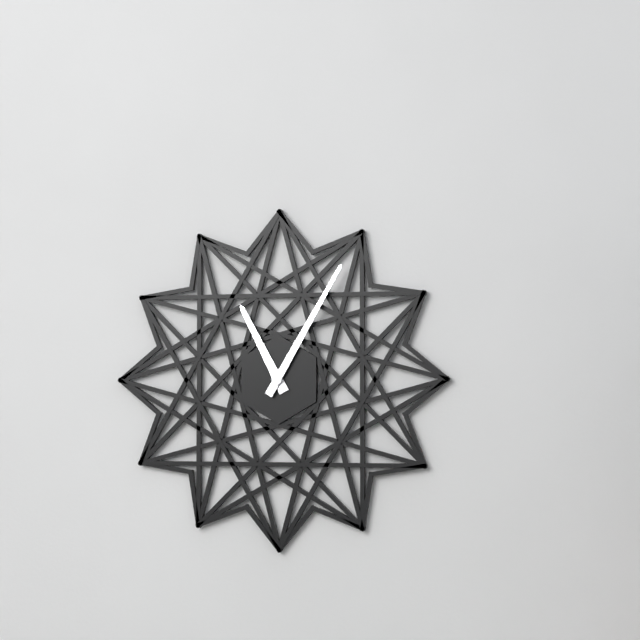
11:05
